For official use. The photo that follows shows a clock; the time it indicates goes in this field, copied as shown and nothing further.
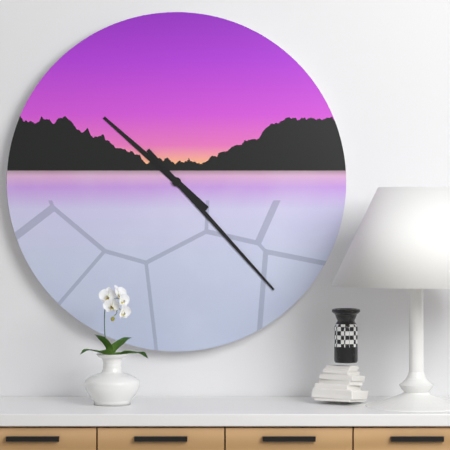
10:23
